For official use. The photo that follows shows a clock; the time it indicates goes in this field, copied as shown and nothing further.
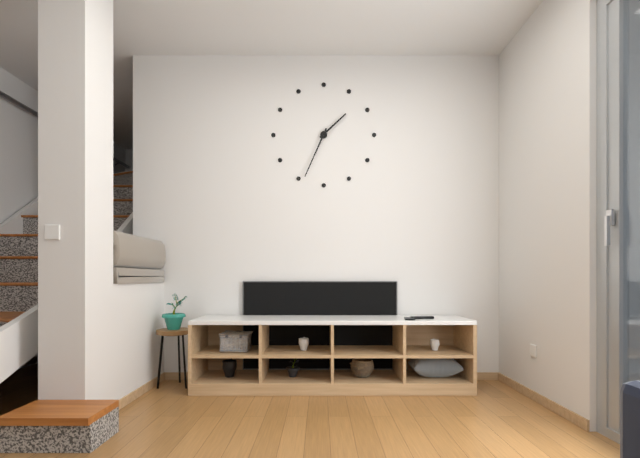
1:34
